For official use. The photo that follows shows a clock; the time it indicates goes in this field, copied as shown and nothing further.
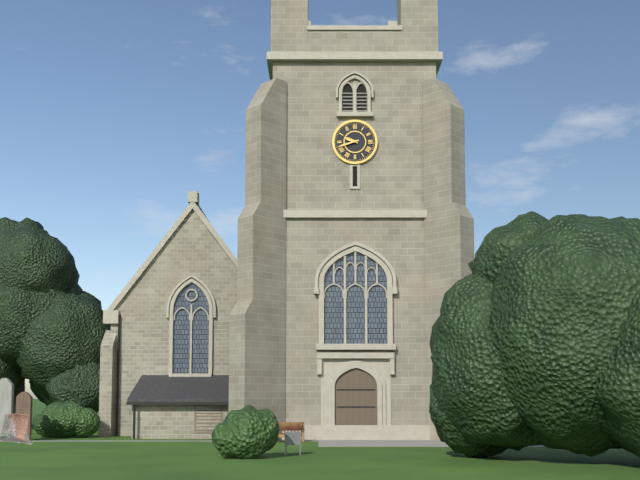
9:42
